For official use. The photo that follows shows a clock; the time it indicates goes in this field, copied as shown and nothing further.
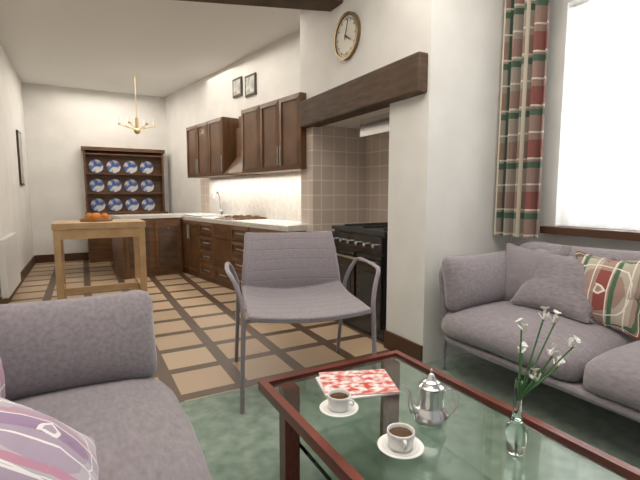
4:03
